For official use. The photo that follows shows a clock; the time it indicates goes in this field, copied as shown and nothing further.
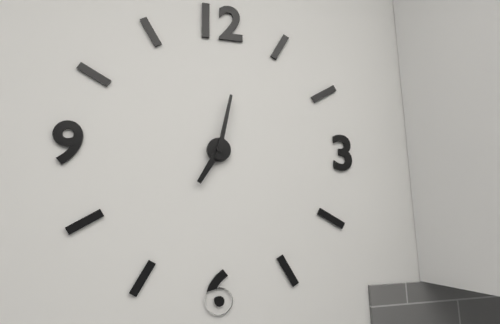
7:02
